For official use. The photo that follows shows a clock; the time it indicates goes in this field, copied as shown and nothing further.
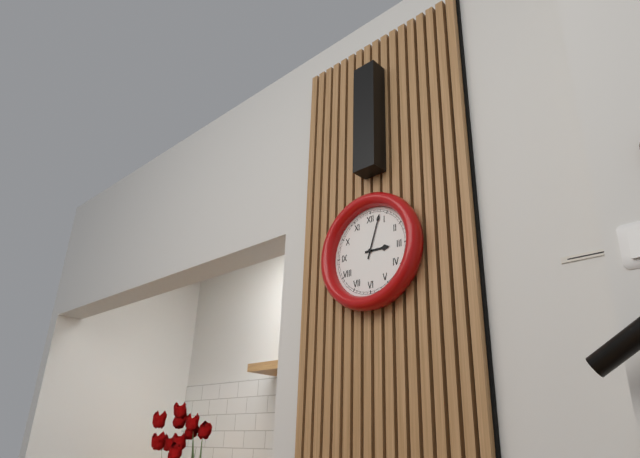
3:03
